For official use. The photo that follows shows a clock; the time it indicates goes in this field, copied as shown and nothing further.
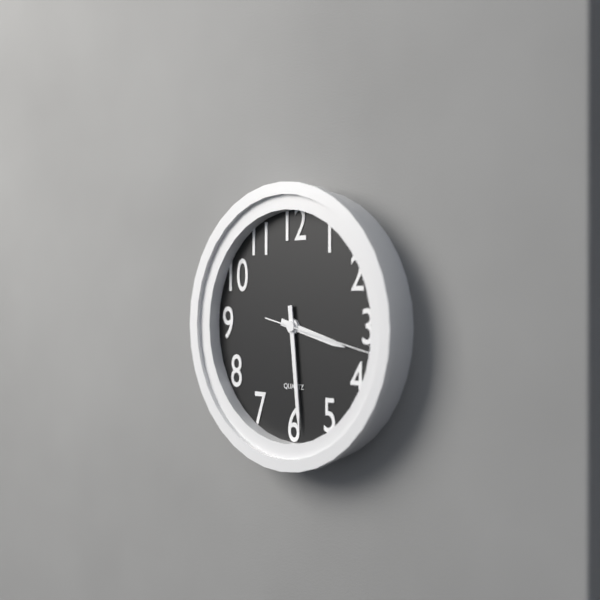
3:29:17
